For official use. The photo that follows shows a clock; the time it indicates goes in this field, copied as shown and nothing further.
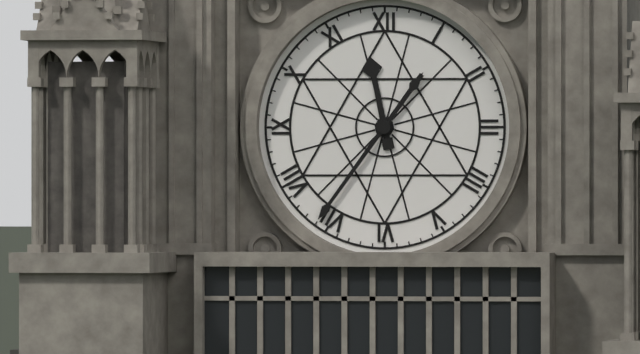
11:36
